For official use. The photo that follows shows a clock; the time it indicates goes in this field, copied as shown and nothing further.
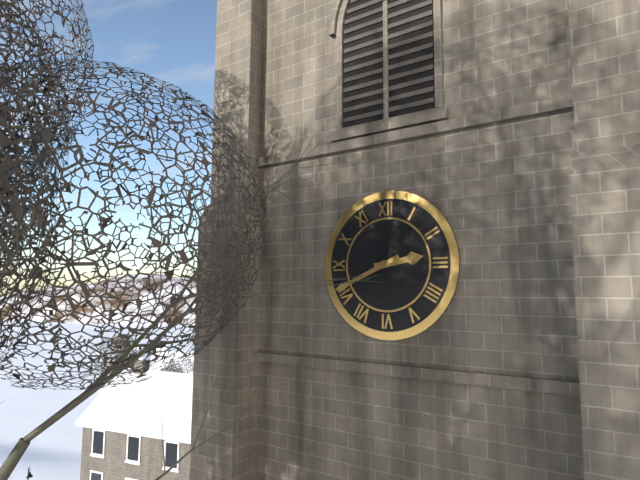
2:41
